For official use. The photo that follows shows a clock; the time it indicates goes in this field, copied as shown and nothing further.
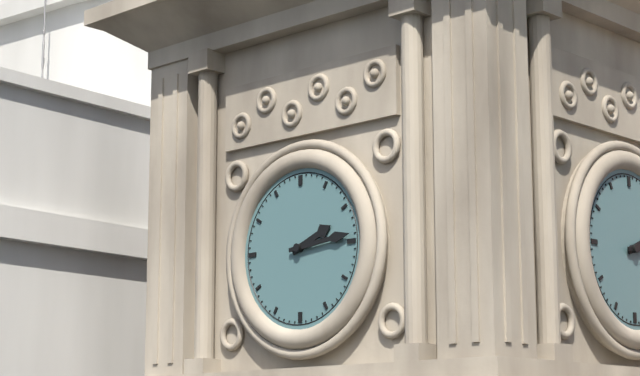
2:14
